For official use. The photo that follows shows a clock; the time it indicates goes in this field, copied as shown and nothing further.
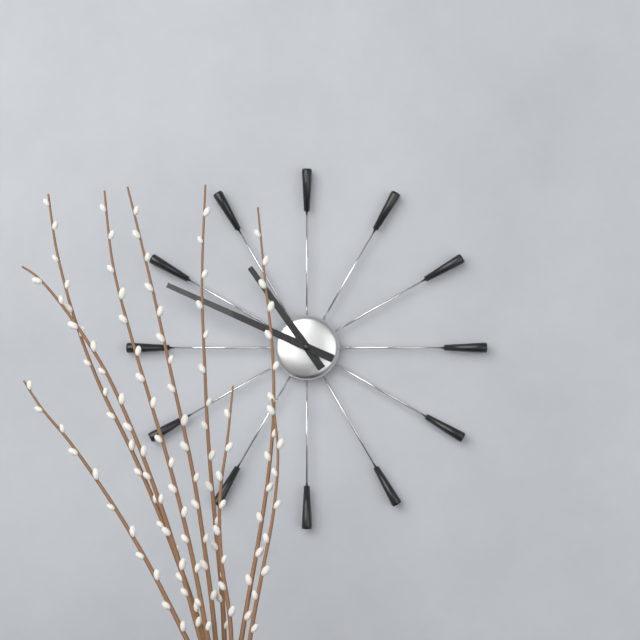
10:49
